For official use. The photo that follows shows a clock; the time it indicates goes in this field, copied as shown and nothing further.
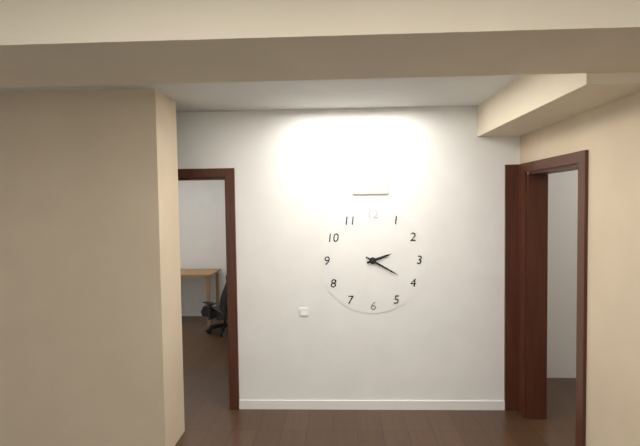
2:20
